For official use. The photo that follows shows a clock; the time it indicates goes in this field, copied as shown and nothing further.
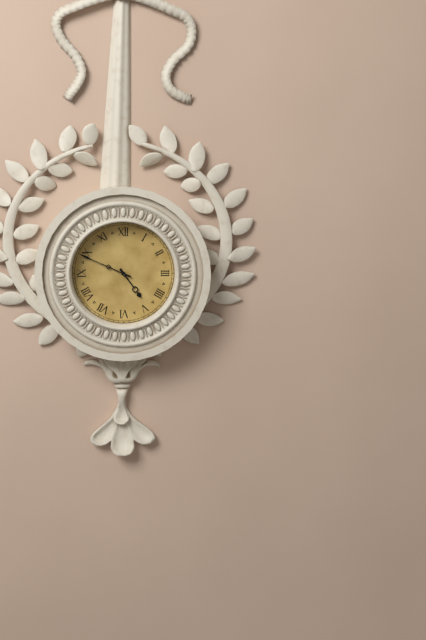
4:49
